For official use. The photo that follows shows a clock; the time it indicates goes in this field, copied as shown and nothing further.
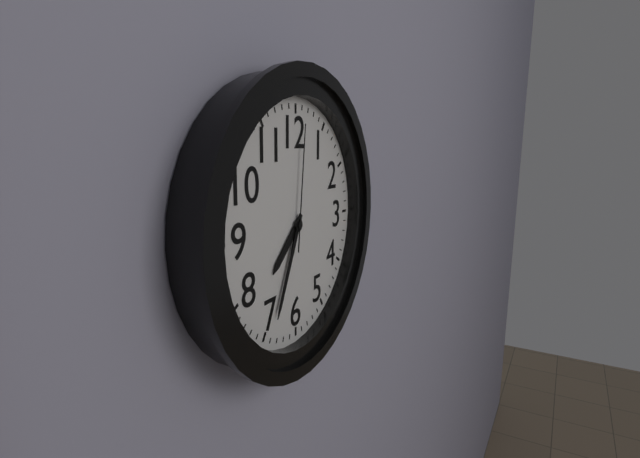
7:34:01
